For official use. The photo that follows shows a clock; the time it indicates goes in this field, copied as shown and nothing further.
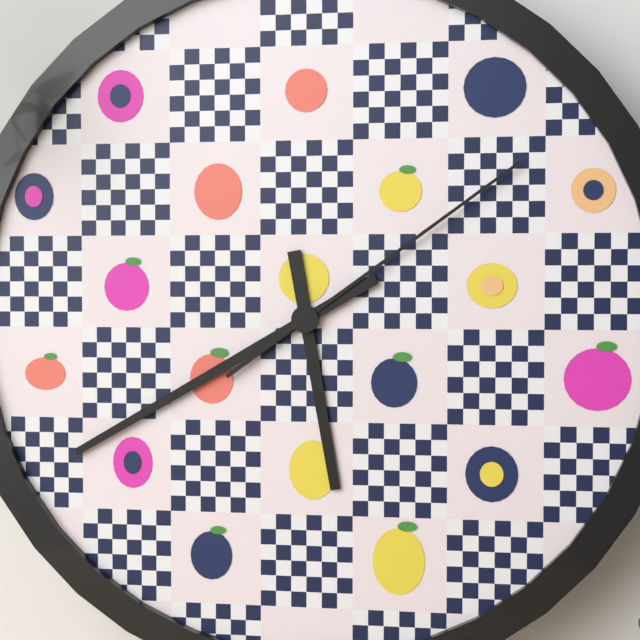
5:40:09
